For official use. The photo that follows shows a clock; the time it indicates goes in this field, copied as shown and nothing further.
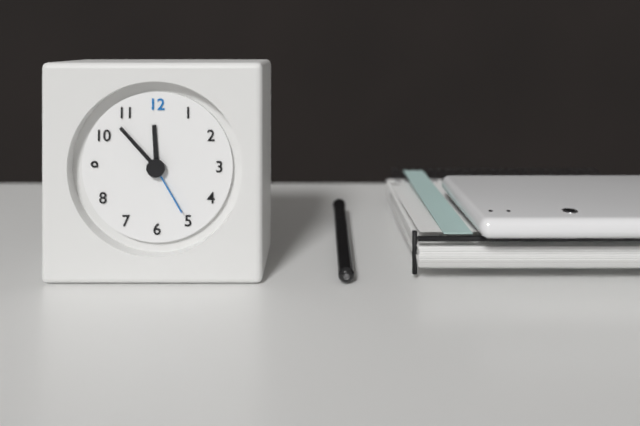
11:53:25
